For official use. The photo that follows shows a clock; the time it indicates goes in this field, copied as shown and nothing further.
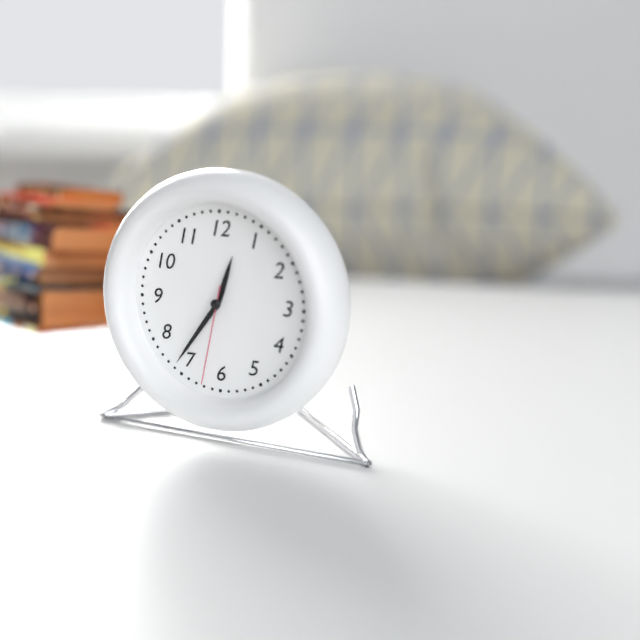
12:36:32
